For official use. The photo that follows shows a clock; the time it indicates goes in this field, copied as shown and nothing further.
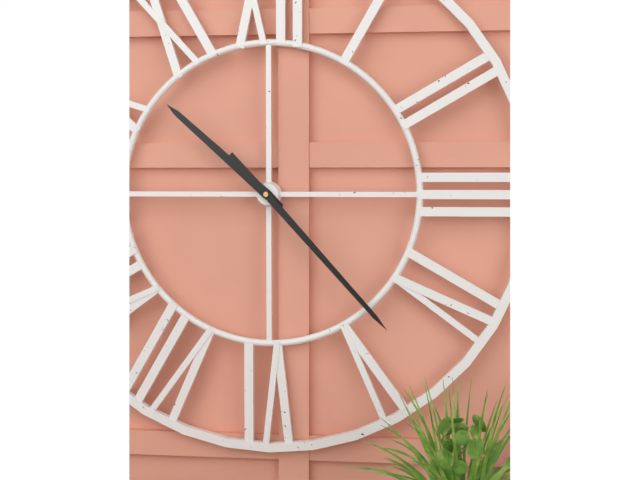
10:23
